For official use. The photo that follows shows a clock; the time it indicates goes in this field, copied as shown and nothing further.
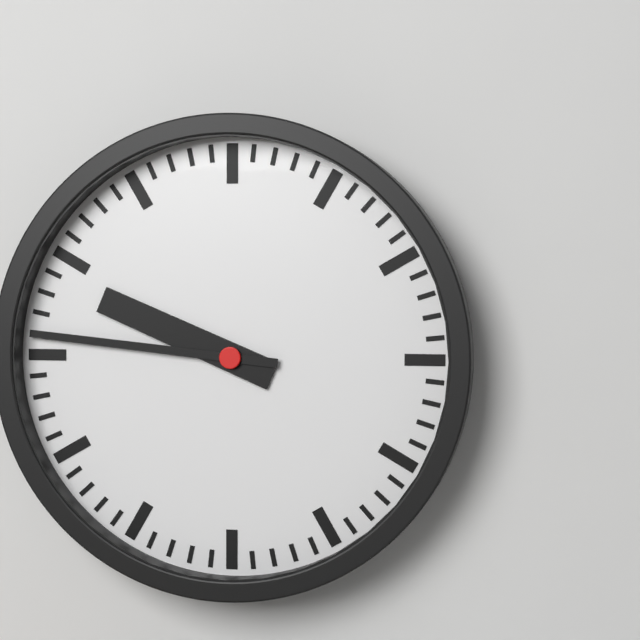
9:46
